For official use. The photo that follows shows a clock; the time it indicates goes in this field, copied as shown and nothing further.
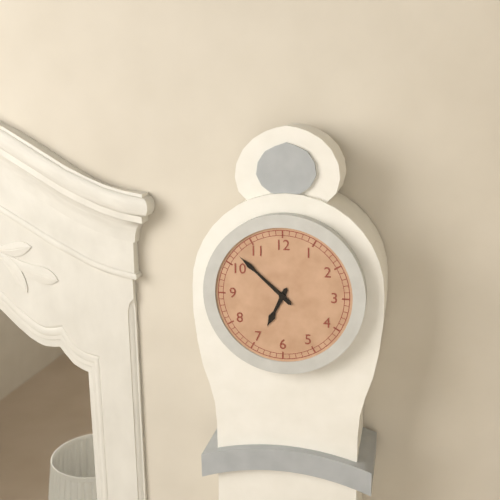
6:52
